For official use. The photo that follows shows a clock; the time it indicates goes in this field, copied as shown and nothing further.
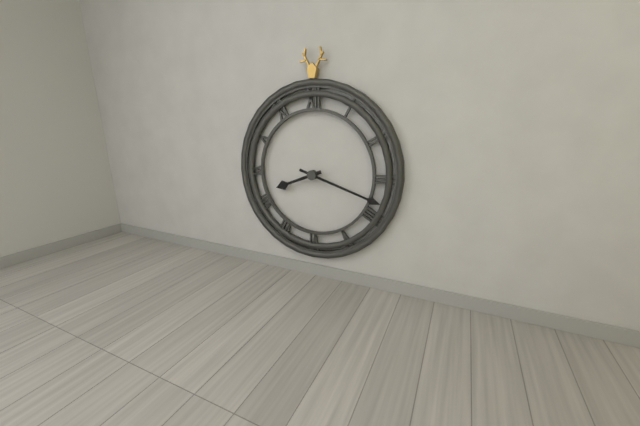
8:18
